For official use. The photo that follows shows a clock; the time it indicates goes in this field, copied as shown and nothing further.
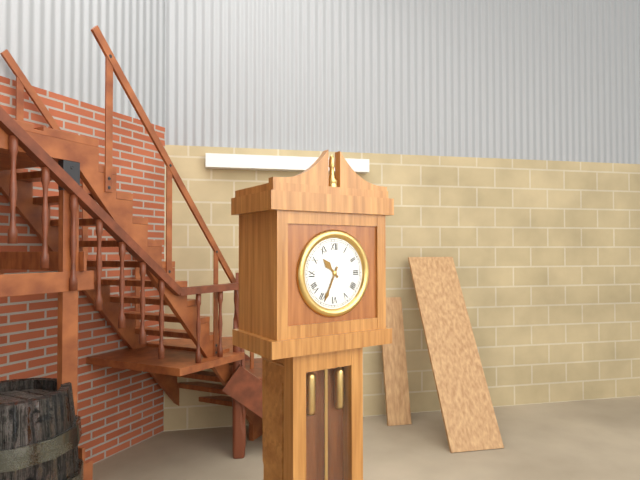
10:34
